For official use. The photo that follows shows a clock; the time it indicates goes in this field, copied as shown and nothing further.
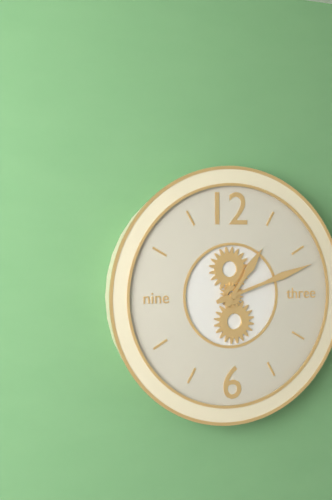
1:12
